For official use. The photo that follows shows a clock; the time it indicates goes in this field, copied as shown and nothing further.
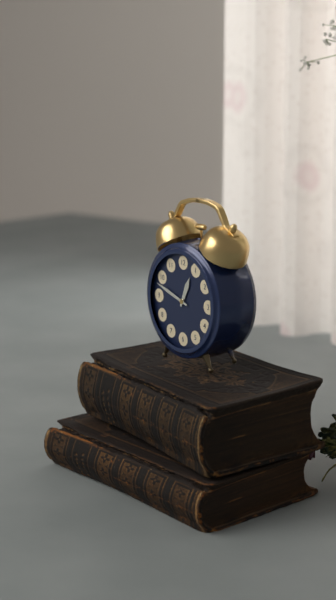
12:48
